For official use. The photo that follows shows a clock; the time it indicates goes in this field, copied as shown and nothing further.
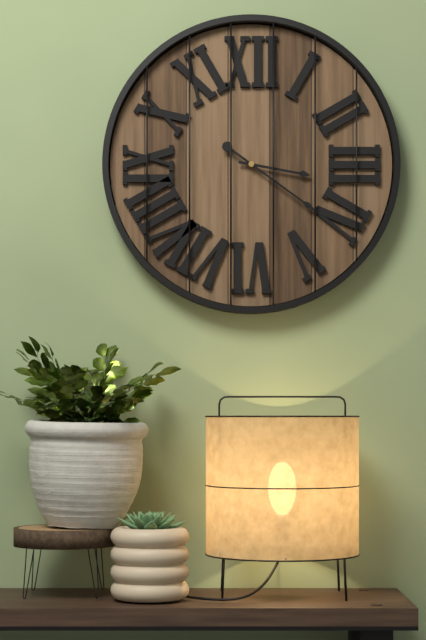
3:21
